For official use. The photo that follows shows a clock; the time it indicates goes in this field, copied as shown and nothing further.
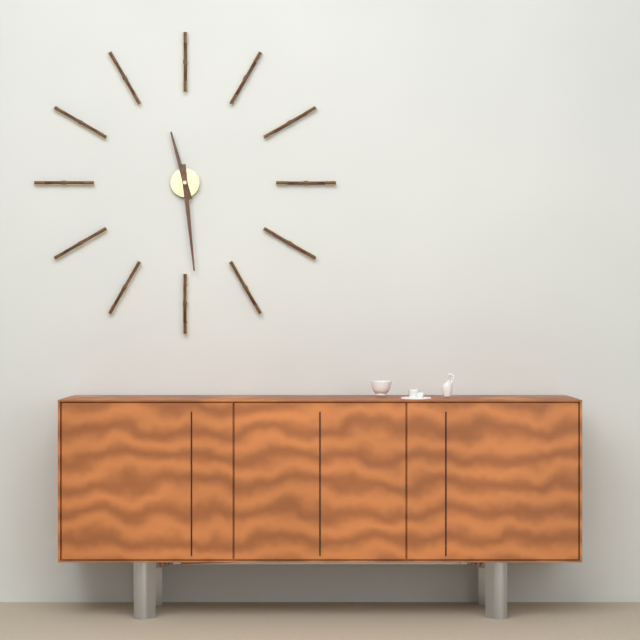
11:29
